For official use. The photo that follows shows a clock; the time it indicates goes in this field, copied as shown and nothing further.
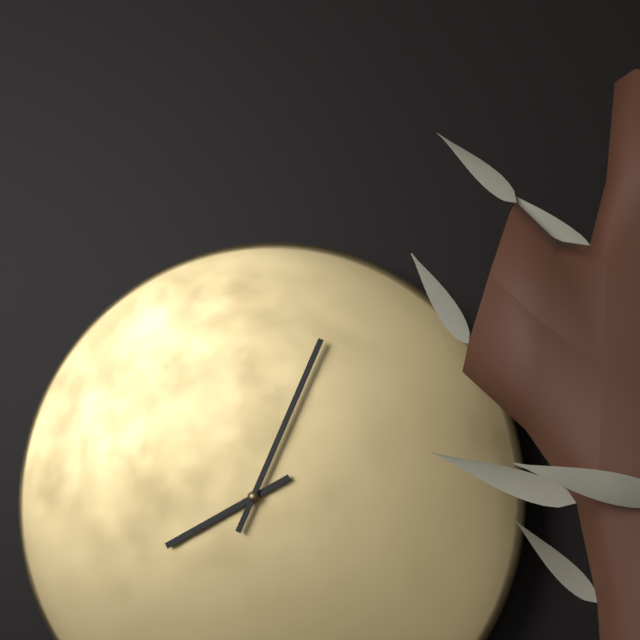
8:04
